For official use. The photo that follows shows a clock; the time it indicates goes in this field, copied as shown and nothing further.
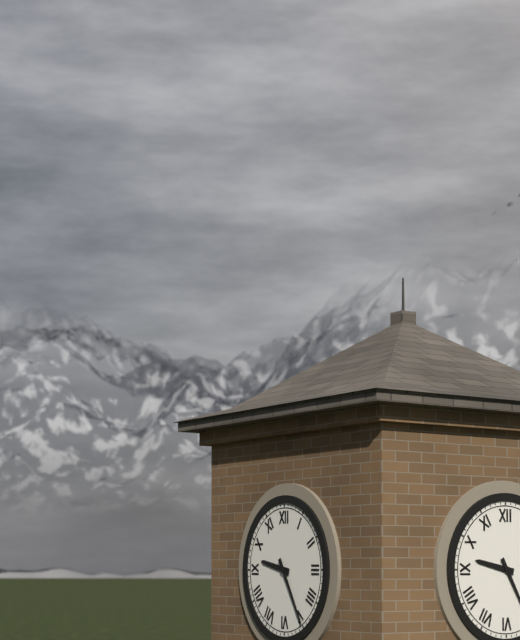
9:25
